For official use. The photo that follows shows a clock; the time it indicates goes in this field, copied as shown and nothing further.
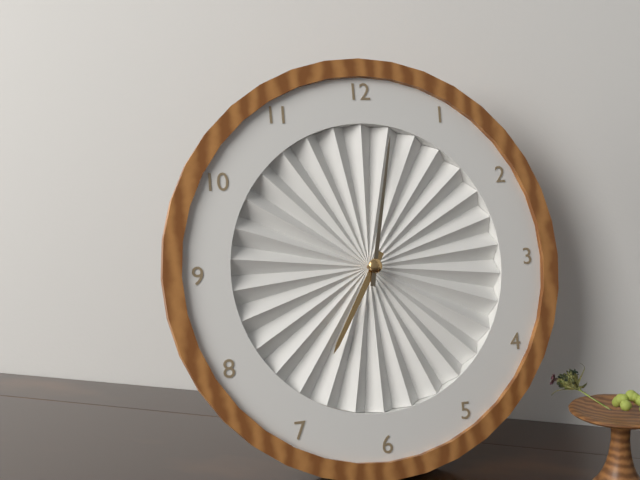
7:02
